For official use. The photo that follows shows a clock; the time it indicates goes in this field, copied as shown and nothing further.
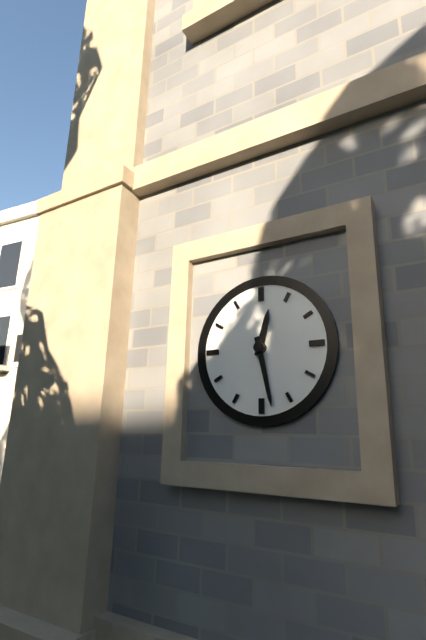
12:28
